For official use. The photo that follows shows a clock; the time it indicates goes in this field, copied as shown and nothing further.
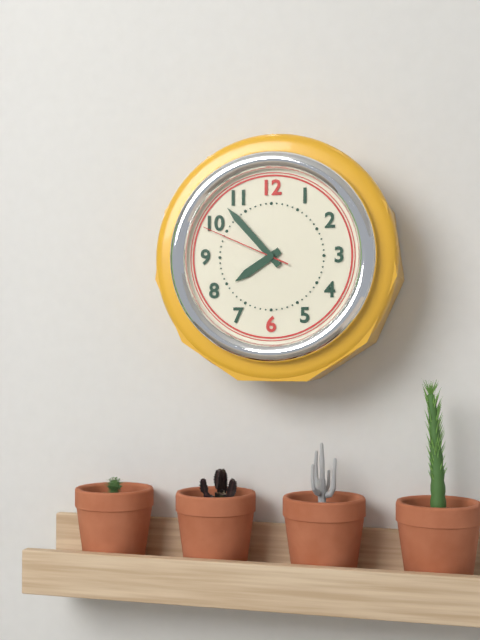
7:53:49
